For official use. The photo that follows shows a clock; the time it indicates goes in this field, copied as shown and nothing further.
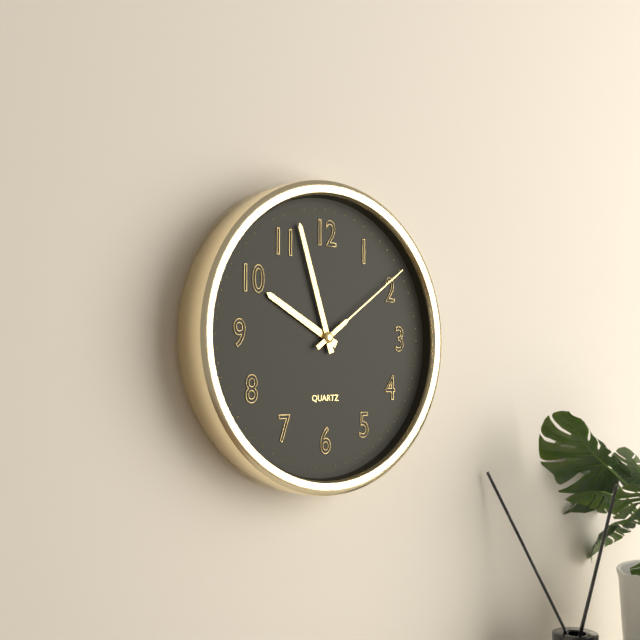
9:57:09
